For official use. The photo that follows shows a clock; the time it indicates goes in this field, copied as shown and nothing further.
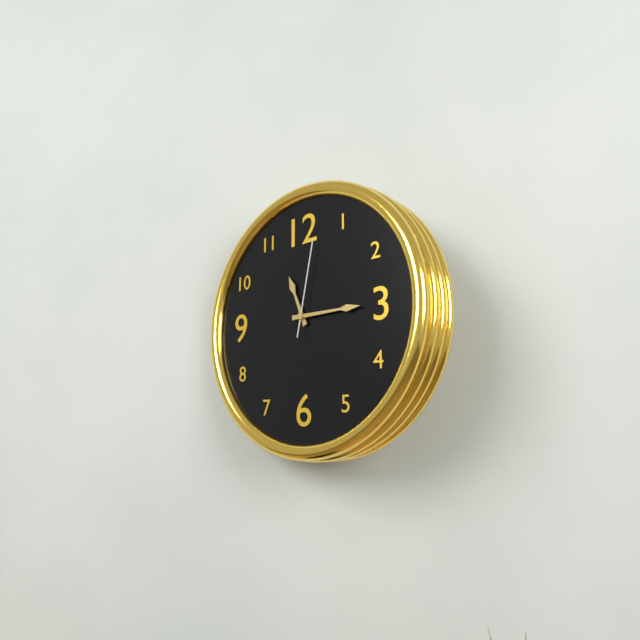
11:15:02
